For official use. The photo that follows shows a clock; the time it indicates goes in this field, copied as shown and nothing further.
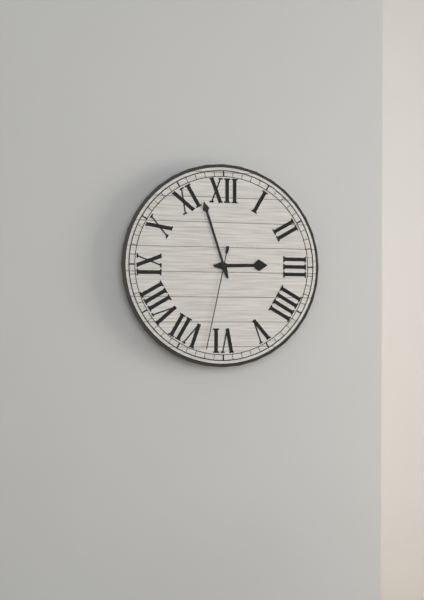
2:57:32
